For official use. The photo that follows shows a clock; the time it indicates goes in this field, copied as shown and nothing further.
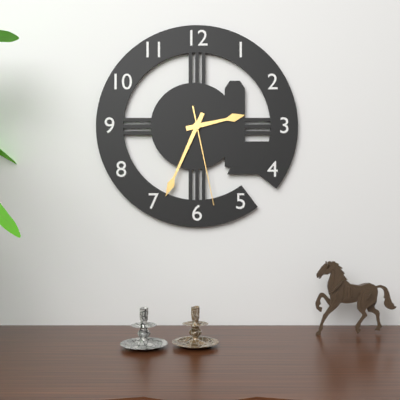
2:34:28
